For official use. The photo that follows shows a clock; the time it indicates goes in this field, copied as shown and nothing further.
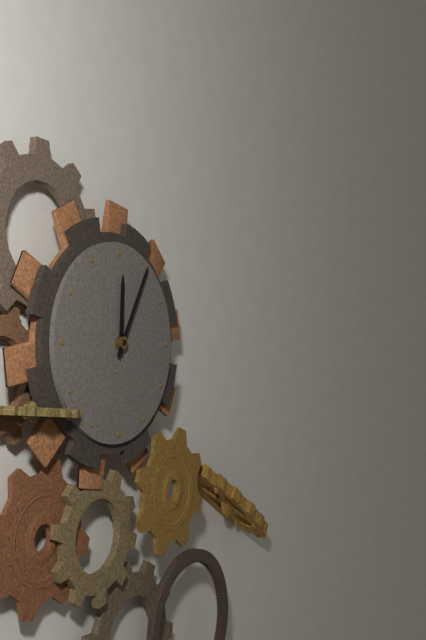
12:05
